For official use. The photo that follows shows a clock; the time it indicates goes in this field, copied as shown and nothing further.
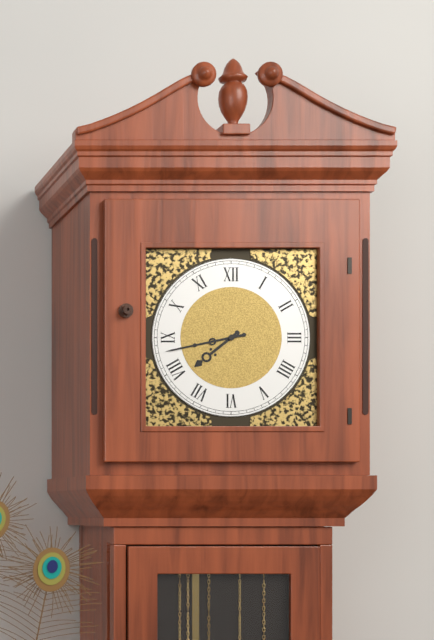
7:43
